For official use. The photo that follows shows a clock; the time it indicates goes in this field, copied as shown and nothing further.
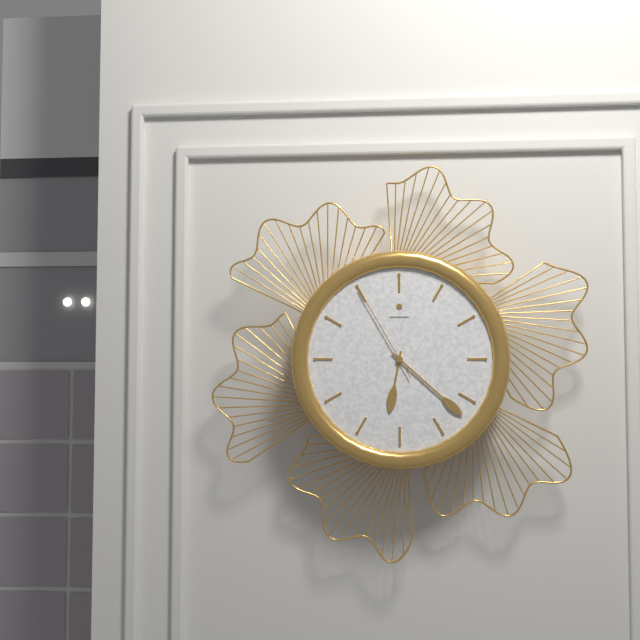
6:22:55
